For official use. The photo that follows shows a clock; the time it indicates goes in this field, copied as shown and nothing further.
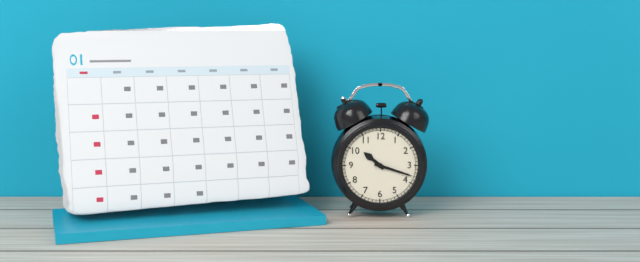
10:18
